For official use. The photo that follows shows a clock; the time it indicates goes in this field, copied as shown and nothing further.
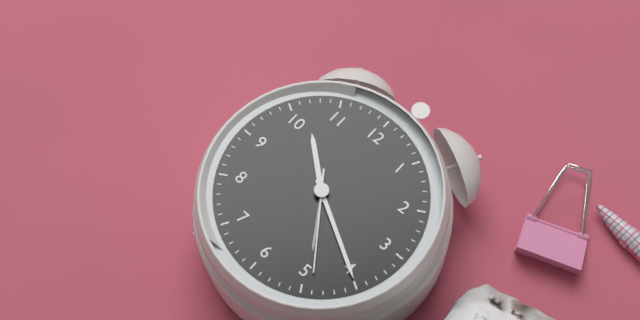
10:20:24
